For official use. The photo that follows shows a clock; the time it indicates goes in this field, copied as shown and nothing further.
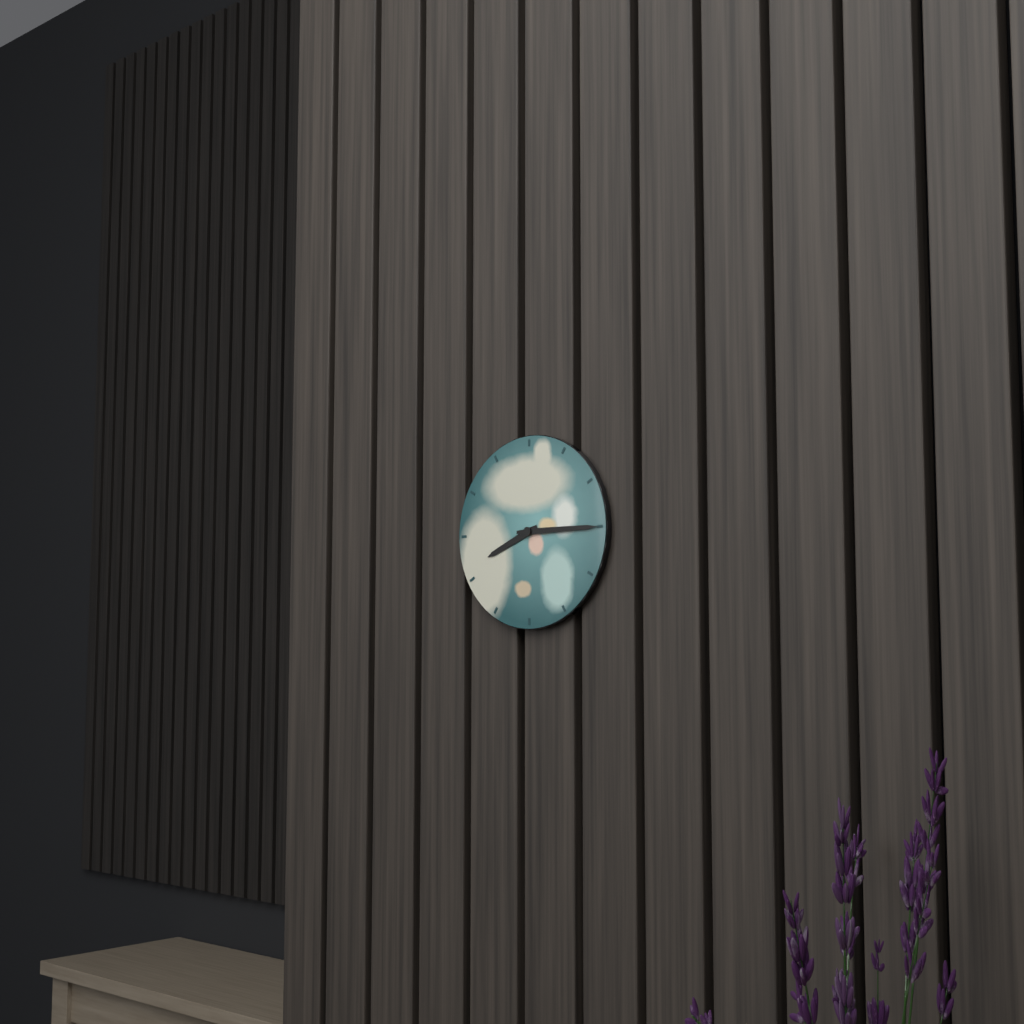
8:15
